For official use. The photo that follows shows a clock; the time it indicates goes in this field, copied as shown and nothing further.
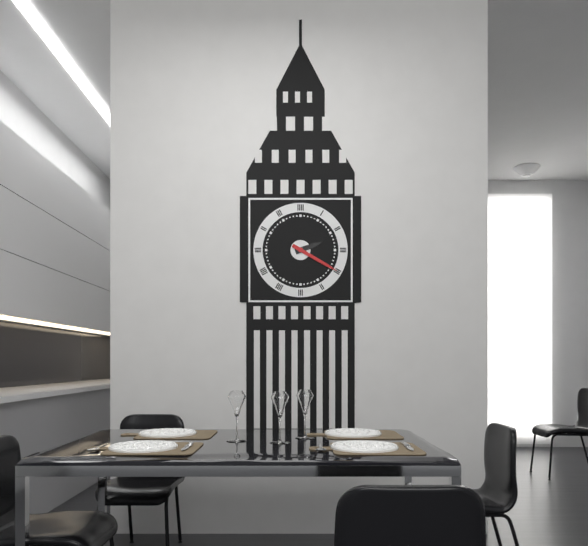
2:20
